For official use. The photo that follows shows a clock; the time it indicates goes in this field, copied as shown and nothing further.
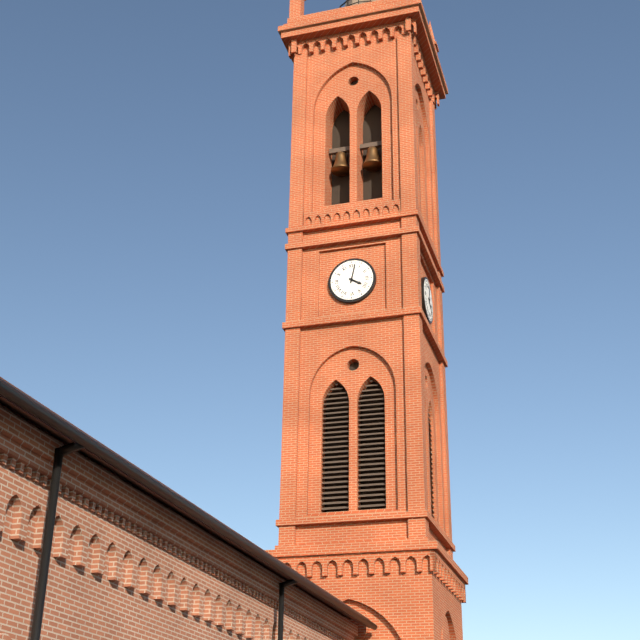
4:02
